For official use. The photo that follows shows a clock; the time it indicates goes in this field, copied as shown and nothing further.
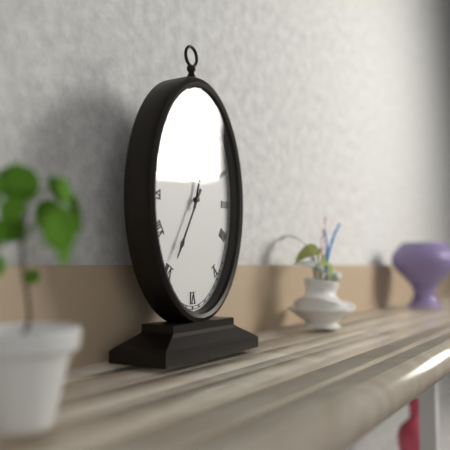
12:35
